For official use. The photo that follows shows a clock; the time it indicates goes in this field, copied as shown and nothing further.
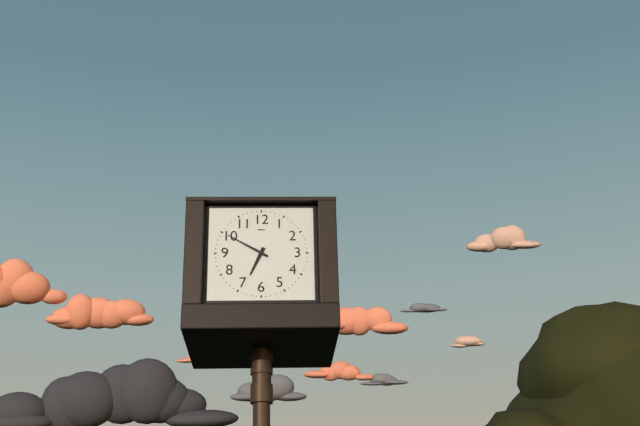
6:50
